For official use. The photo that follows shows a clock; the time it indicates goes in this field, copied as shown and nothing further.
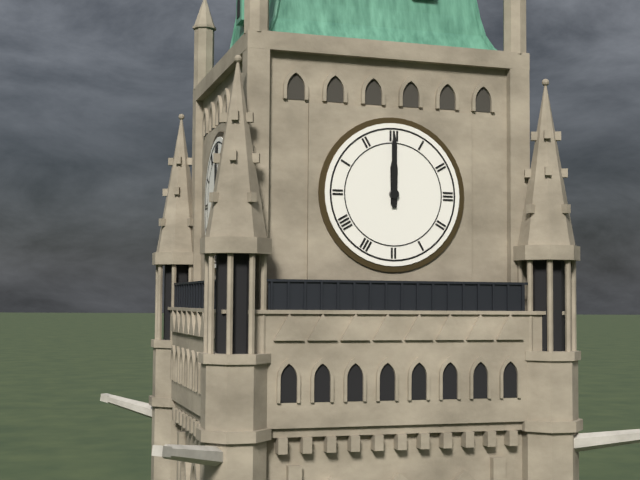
12:00
